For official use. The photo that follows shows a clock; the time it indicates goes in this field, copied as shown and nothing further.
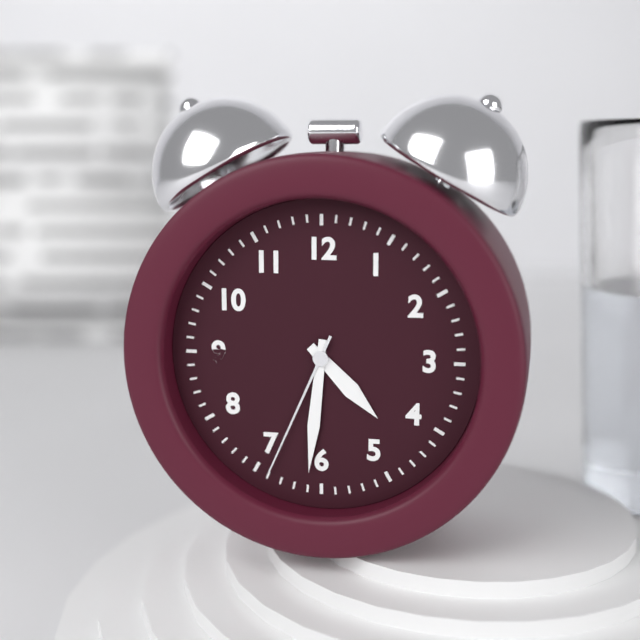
4:31:34
